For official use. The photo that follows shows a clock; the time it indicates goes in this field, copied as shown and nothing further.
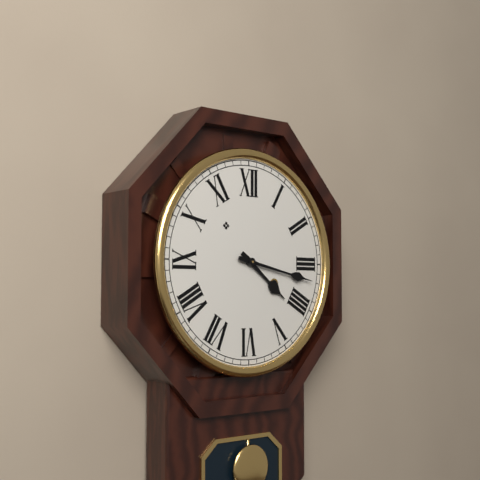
4:17
